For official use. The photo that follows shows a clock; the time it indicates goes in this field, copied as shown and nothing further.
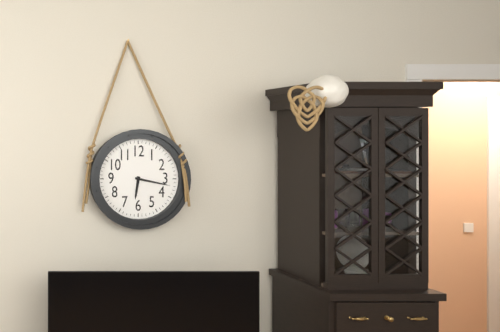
6:17
